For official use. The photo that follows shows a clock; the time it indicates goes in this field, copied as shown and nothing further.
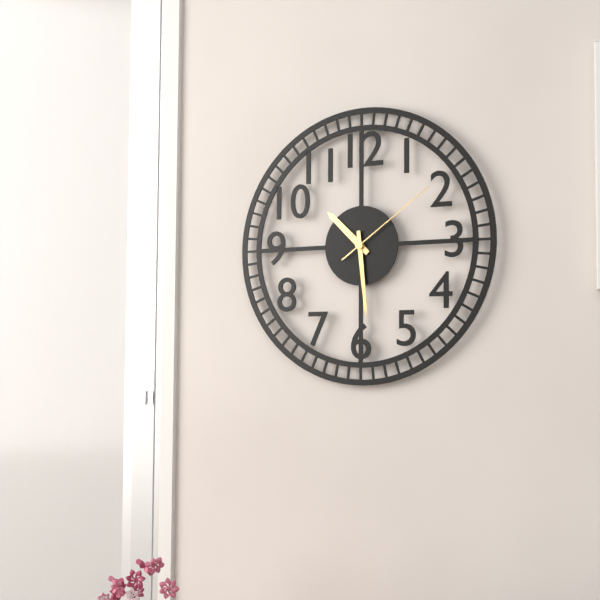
10:29:09
